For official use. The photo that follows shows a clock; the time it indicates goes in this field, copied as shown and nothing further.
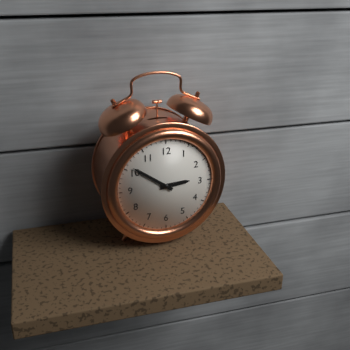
2:51
